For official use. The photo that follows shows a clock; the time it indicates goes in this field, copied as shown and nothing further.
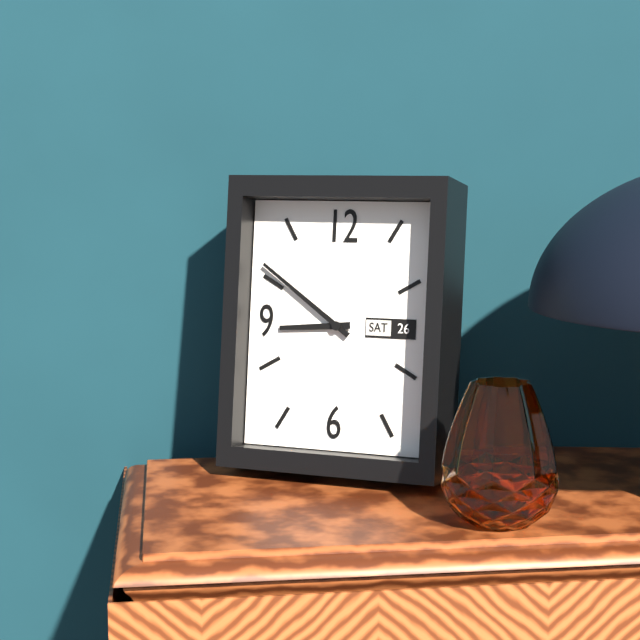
8:51
